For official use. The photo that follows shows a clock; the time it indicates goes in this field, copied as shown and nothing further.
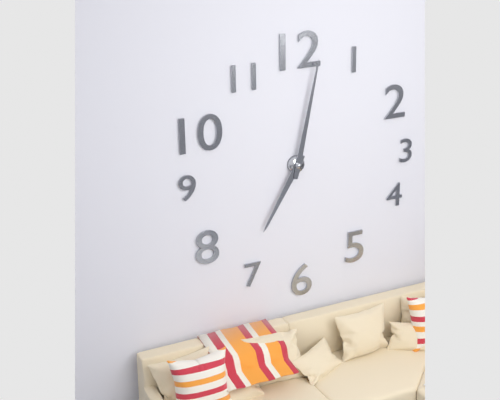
7:02
